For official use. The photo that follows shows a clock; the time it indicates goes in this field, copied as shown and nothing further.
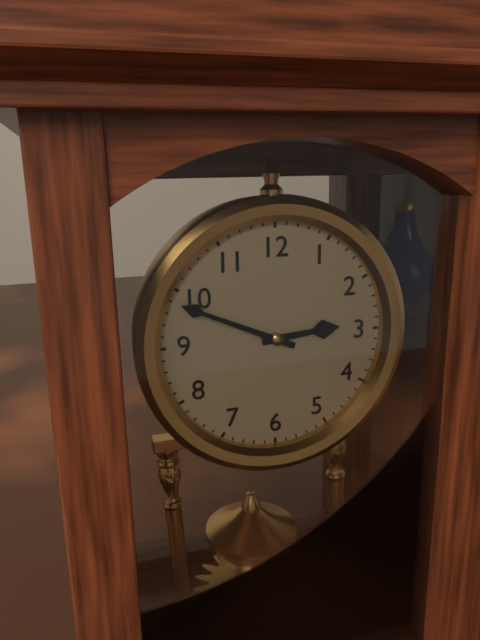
2:49
